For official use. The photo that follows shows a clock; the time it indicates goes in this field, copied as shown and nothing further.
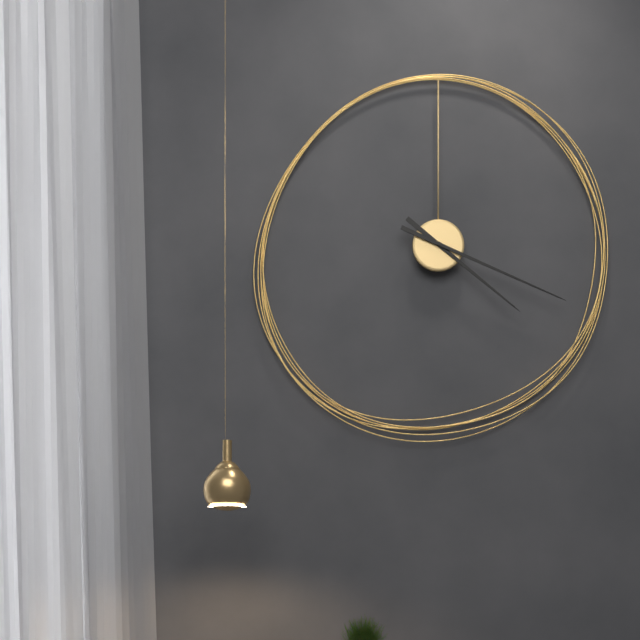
4:19
